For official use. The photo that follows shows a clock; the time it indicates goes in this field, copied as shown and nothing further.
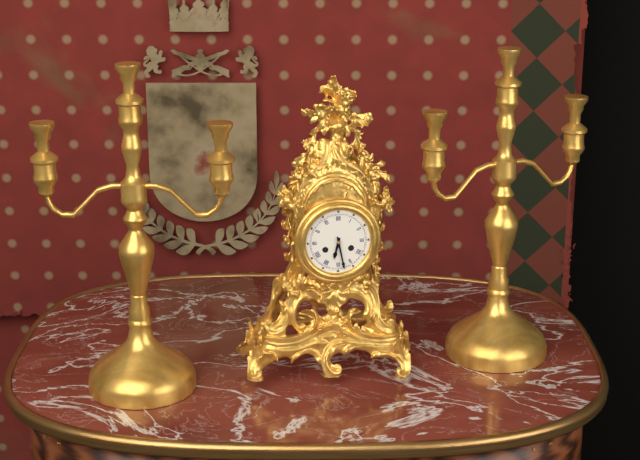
6:28
